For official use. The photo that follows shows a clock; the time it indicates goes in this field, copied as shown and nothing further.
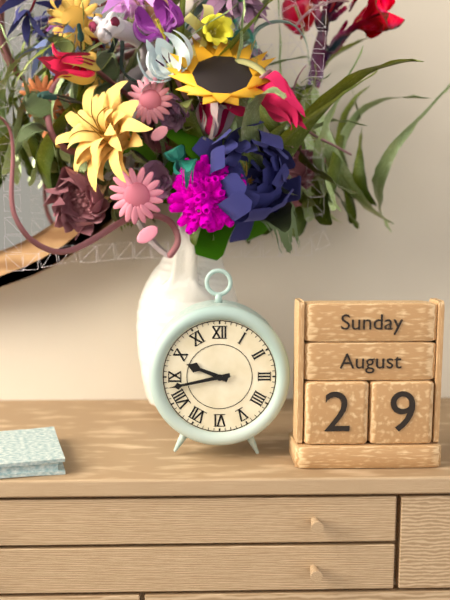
9:43
